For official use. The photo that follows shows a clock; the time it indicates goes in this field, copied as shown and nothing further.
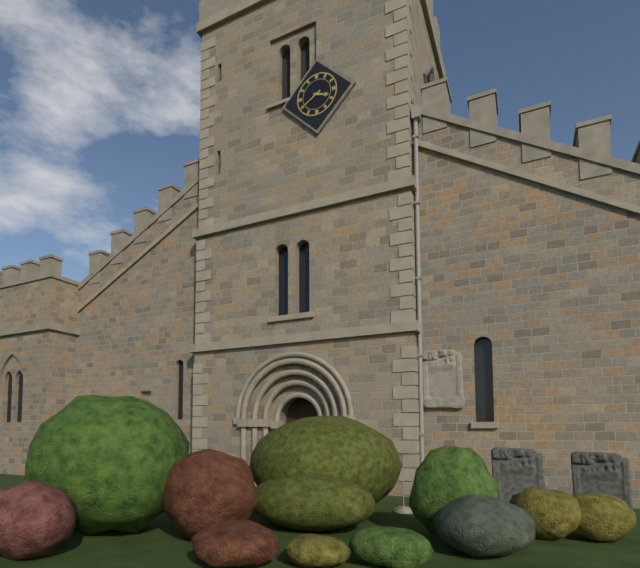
3:40
